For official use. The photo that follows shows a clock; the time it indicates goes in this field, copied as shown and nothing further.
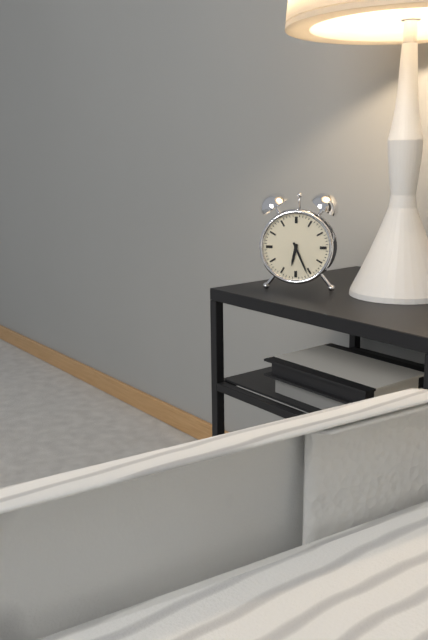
6:26
